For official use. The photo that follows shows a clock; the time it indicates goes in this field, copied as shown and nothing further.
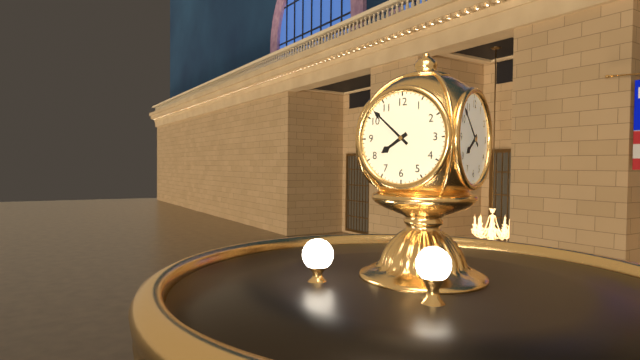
7:52
